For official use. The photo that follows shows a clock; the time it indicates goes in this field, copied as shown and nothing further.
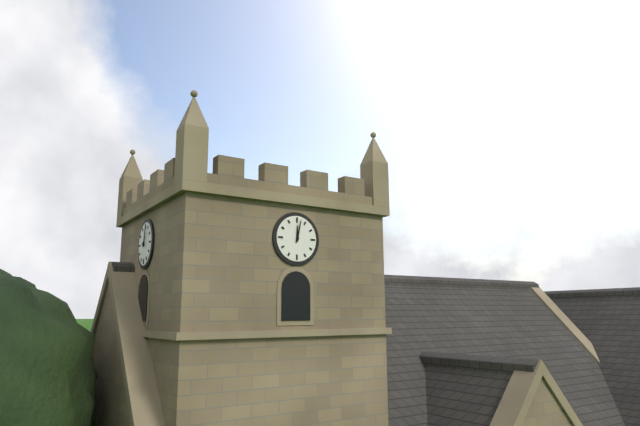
12:02
